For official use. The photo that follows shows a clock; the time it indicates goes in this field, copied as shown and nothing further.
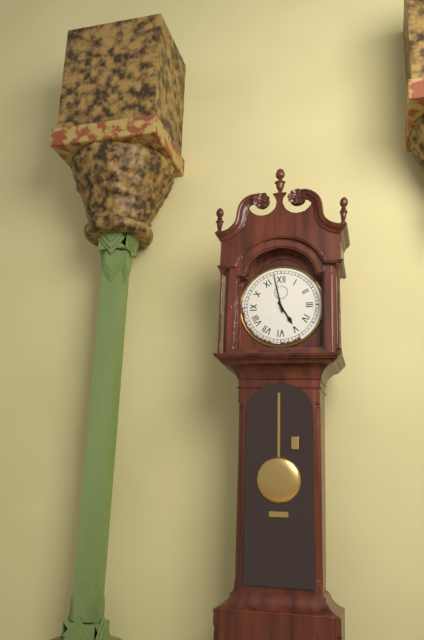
4:58
